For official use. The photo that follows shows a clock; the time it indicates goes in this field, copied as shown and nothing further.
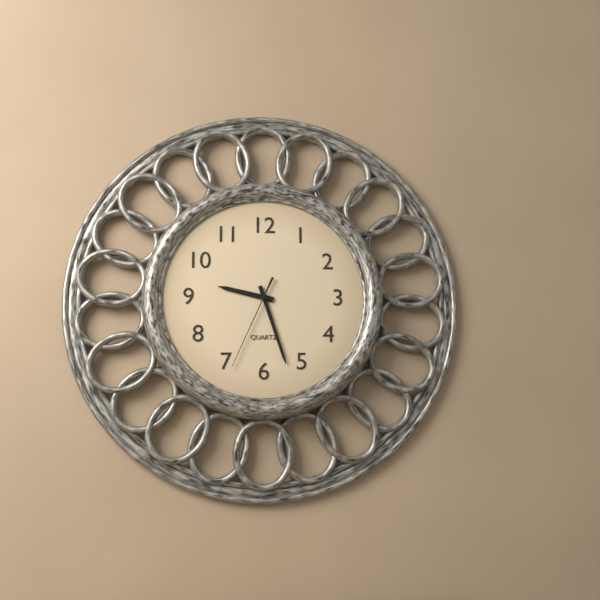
9:27:34
